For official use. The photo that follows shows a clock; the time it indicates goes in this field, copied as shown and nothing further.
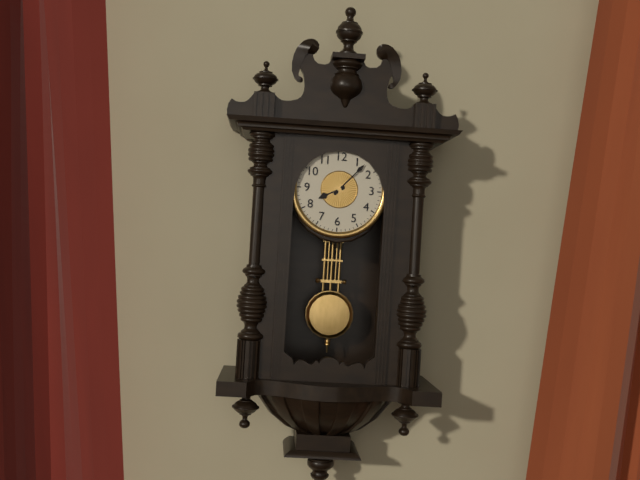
8:07
